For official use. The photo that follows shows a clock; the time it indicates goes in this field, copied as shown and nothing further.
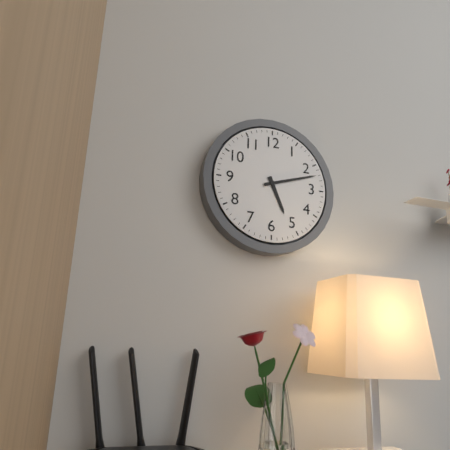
5:12
